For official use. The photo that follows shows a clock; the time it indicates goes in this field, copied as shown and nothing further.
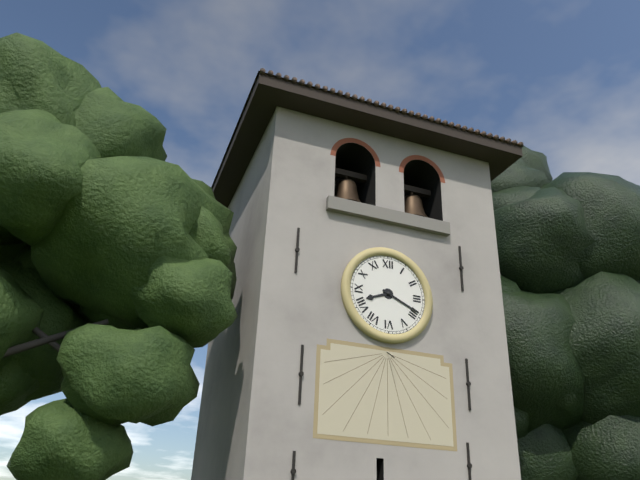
8:19
